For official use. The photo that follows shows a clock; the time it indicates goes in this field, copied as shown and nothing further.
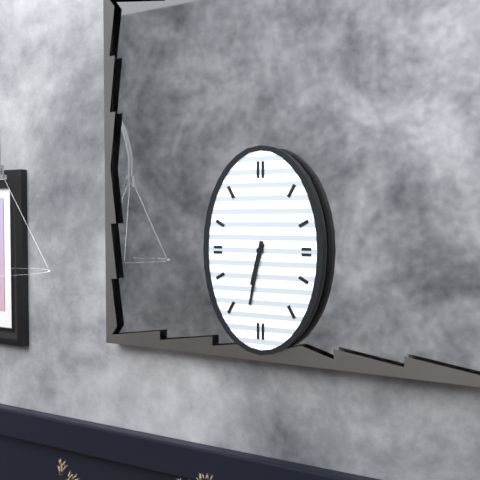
6:32
